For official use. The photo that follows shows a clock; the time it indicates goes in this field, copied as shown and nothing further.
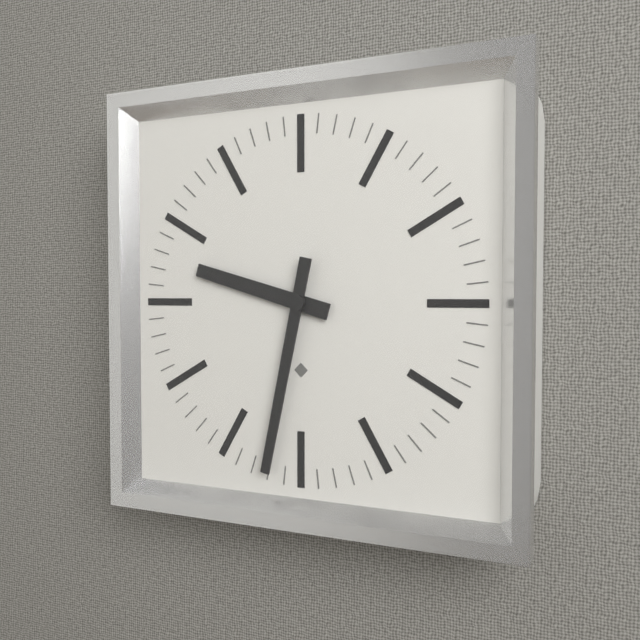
9:32
